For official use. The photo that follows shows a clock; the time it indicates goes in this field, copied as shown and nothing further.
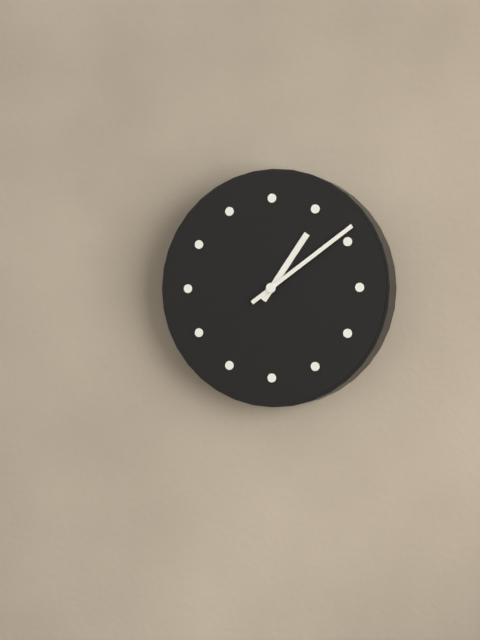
1:09
